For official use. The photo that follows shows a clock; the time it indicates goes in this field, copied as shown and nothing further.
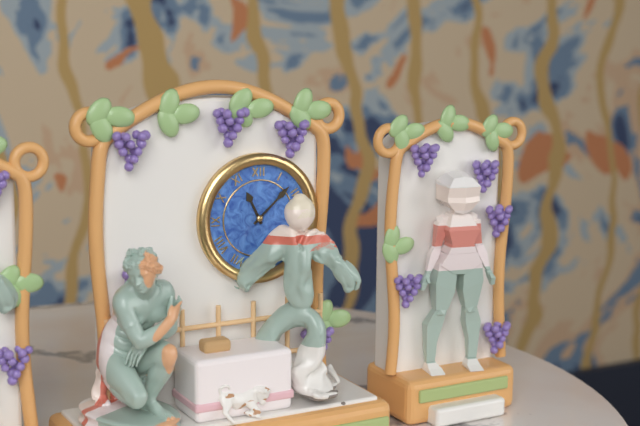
11:08
